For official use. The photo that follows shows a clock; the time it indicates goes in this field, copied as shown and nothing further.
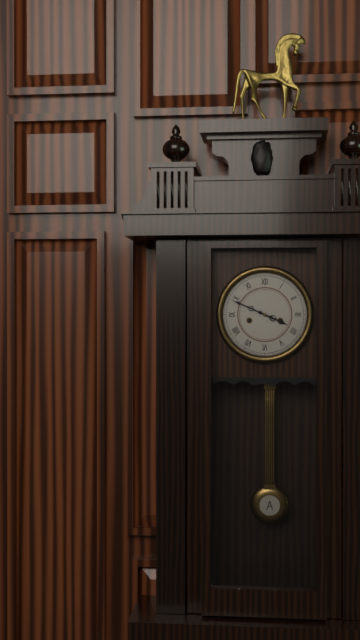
3:49
